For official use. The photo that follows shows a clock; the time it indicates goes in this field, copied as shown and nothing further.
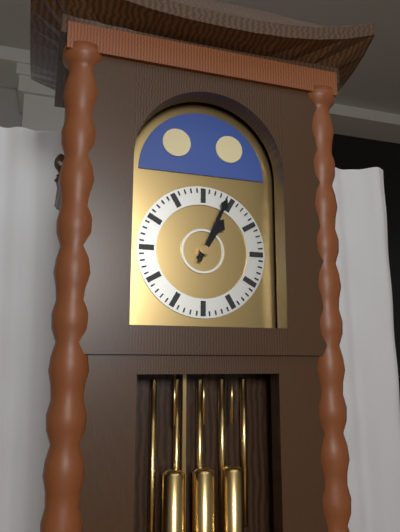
1:04
